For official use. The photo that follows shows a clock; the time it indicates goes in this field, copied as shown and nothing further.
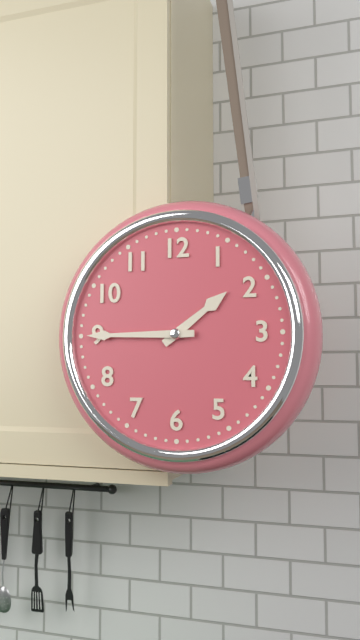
1:45
